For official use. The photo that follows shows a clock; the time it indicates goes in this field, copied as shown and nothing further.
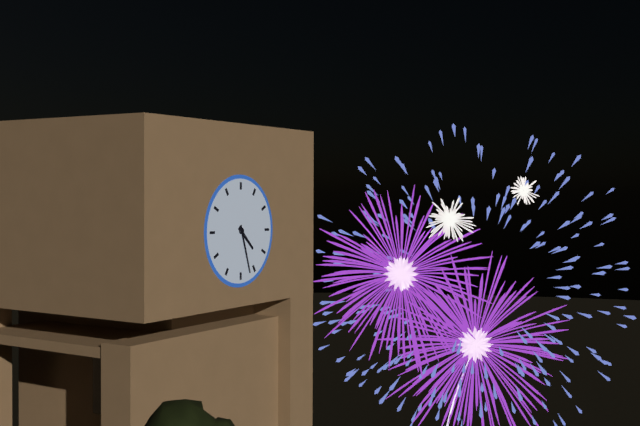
4:27
